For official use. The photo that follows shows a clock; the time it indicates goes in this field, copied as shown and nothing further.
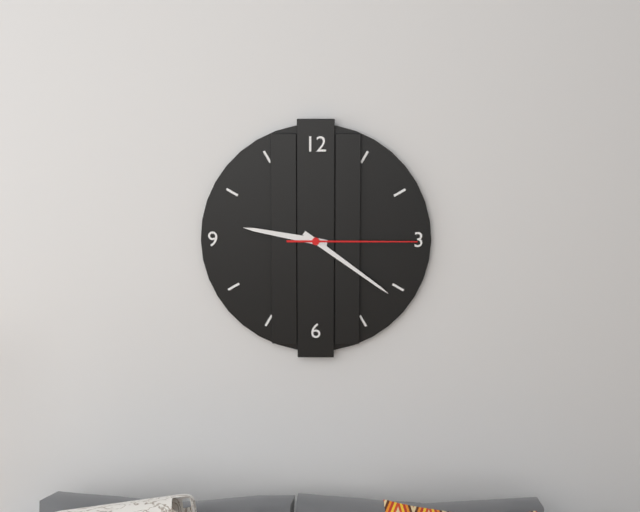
9:21:15
